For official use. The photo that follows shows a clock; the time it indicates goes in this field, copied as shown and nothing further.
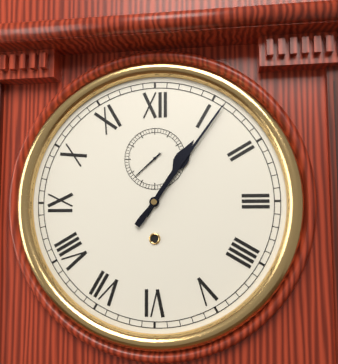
1:06
